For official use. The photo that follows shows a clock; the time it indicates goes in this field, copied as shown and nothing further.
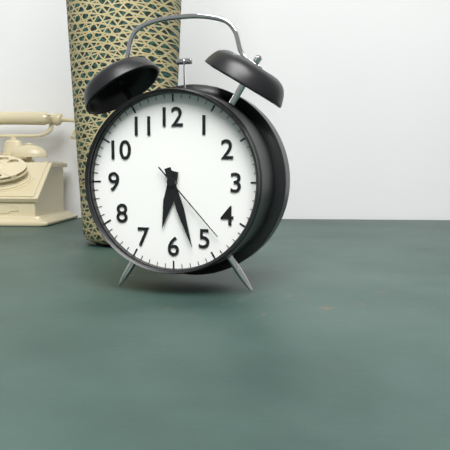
6:27:23
